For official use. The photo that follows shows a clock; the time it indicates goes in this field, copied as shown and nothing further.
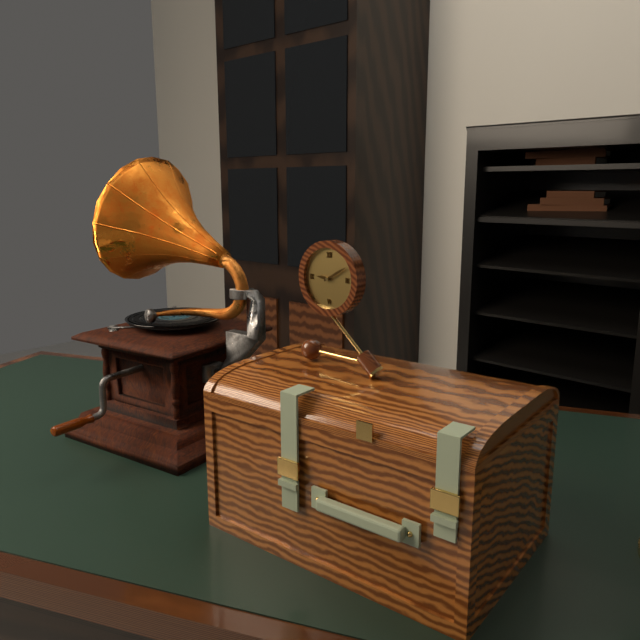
9:10
